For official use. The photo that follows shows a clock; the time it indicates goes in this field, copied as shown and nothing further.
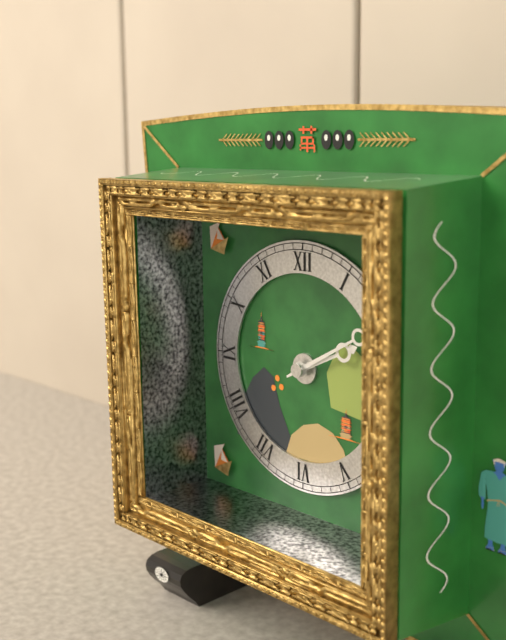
2:10
